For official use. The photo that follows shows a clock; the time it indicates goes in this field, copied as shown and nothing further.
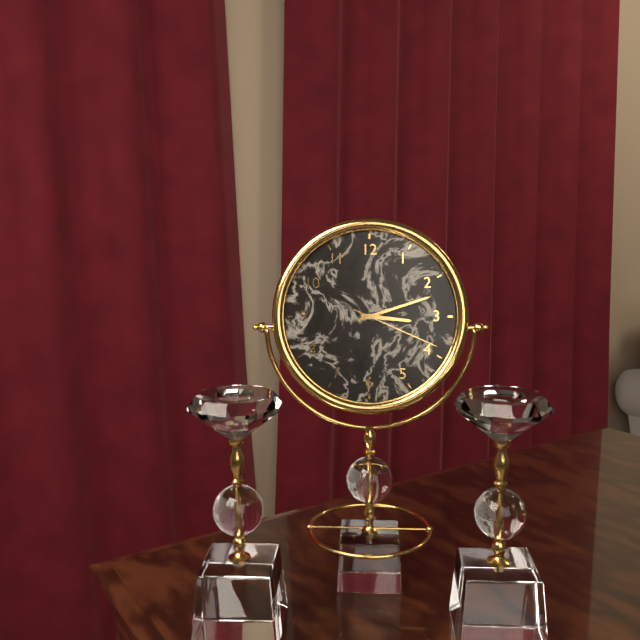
3:12:19
